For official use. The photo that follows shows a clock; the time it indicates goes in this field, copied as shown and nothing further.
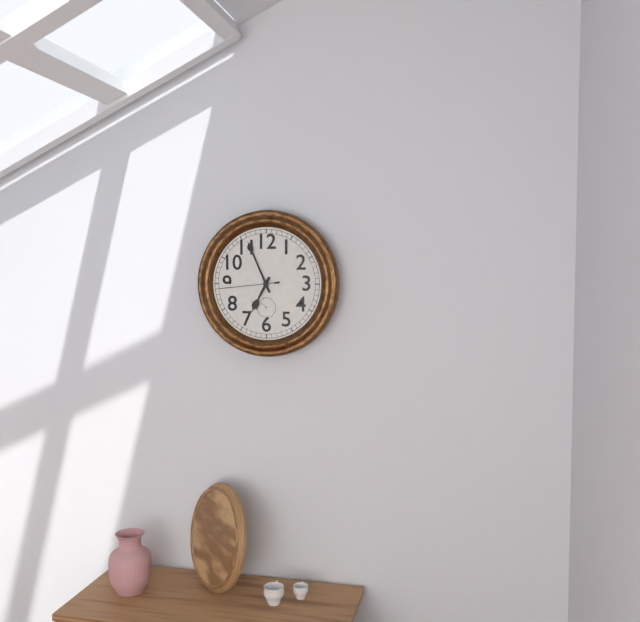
6:56:44
